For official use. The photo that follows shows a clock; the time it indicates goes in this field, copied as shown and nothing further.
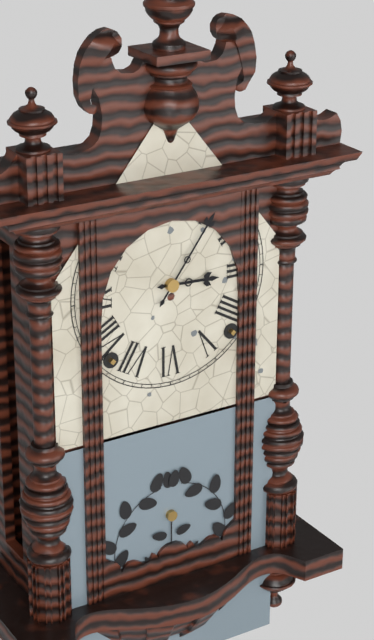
3:06
